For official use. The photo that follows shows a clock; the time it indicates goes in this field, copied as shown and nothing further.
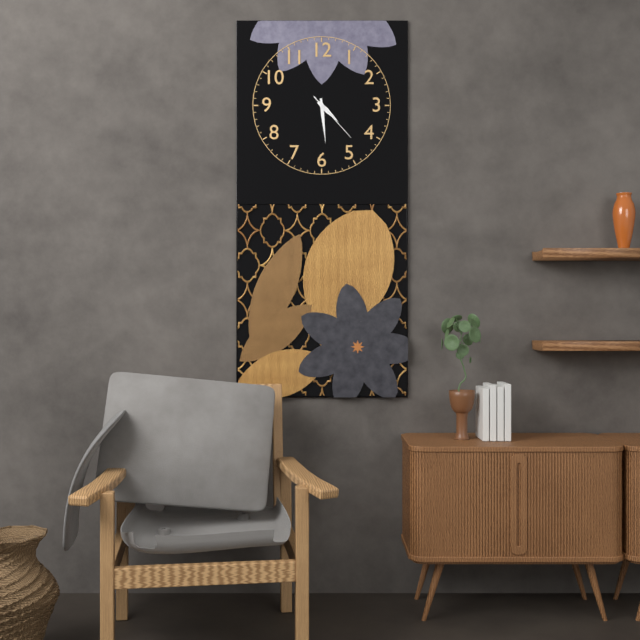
4:29:23
